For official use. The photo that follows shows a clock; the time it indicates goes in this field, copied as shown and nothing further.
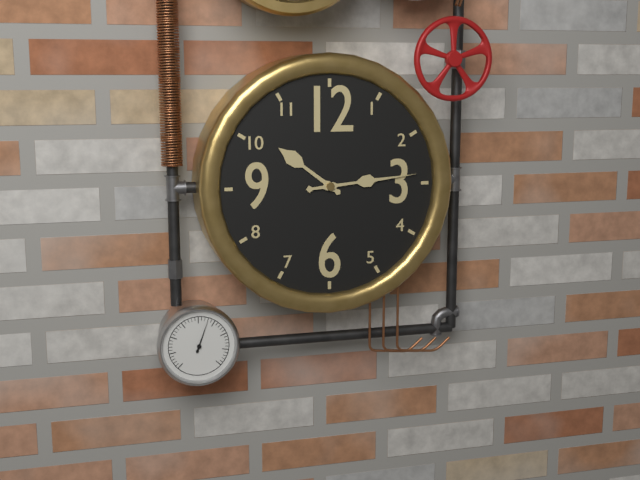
10:14
